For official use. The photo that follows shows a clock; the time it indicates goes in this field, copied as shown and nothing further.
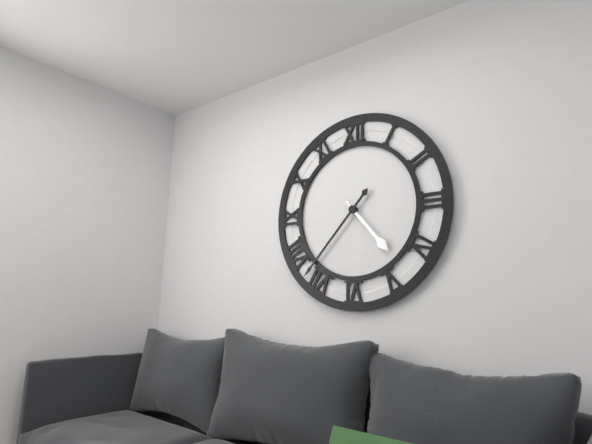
4:37
